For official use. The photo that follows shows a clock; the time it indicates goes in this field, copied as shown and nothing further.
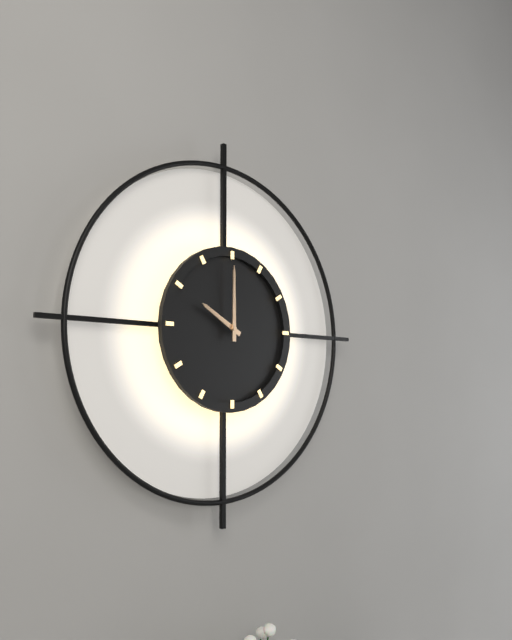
10:00
